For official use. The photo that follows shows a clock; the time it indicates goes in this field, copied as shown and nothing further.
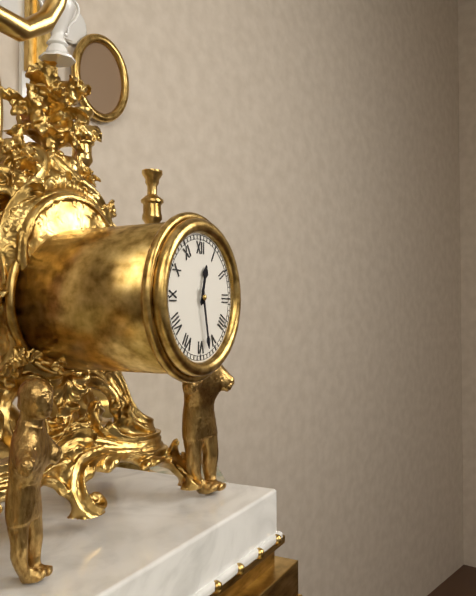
12:28
